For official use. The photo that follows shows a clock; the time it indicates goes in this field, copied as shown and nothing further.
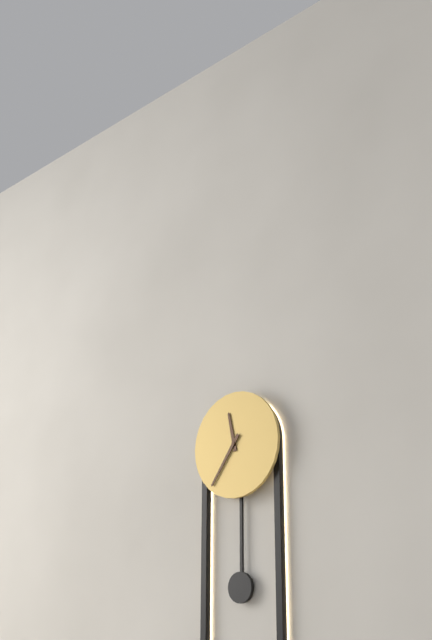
11:36
